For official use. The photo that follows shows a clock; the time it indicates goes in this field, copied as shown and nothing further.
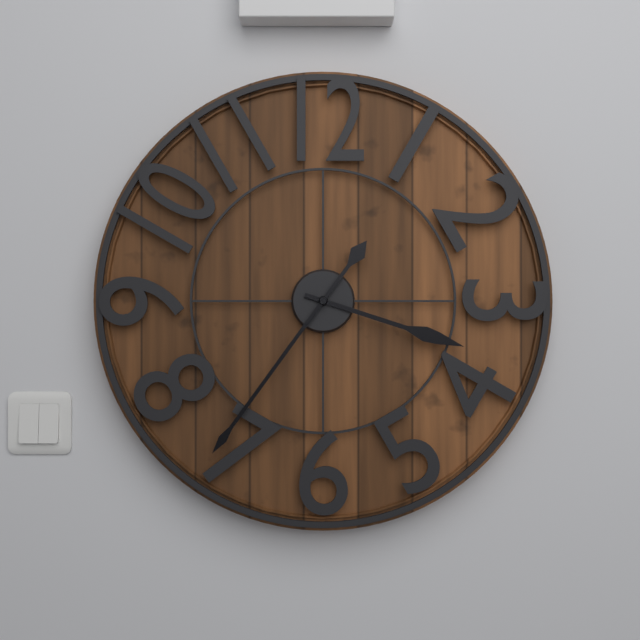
3:36
